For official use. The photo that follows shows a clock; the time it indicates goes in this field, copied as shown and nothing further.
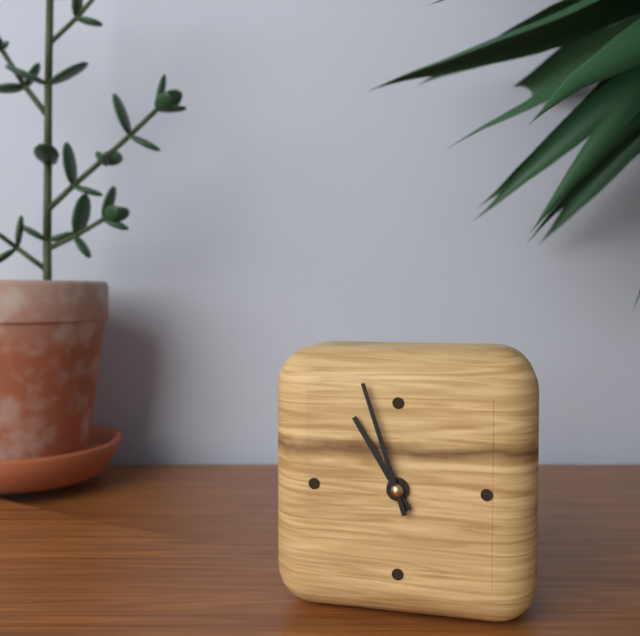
10:57
